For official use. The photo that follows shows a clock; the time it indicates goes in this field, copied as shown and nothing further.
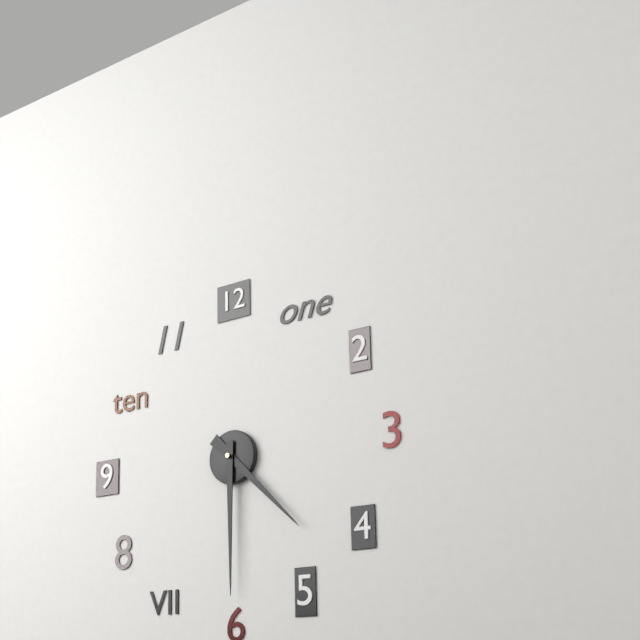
4:30
